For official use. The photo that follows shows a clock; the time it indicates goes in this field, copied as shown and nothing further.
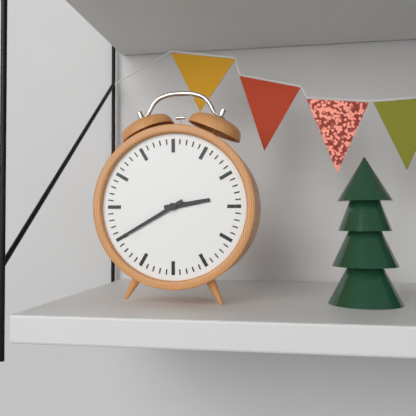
2:40
